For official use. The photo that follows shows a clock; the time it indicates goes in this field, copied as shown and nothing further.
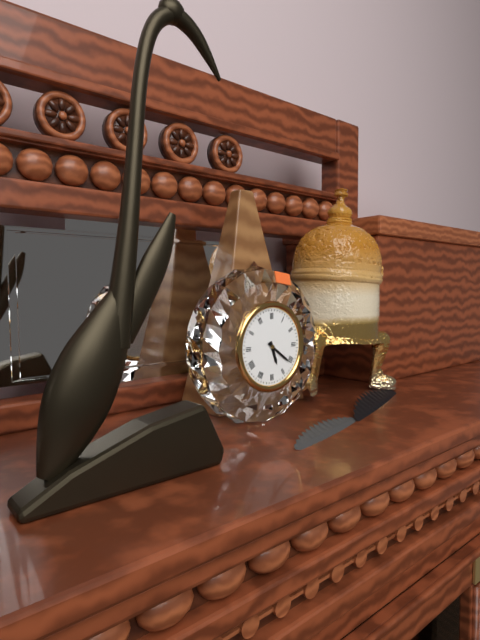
5:21
